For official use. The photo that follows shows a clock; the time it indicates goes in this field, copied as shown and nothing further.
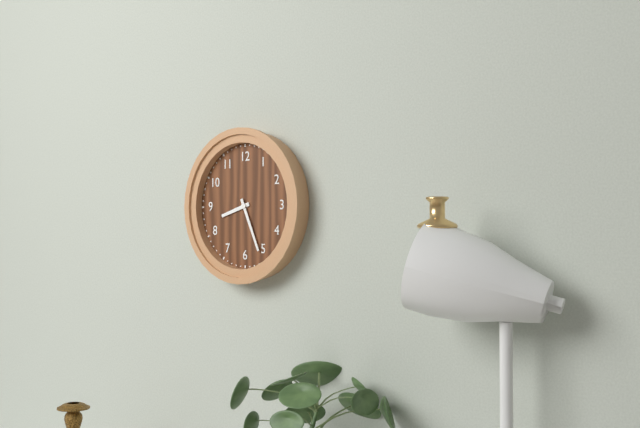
8:26
